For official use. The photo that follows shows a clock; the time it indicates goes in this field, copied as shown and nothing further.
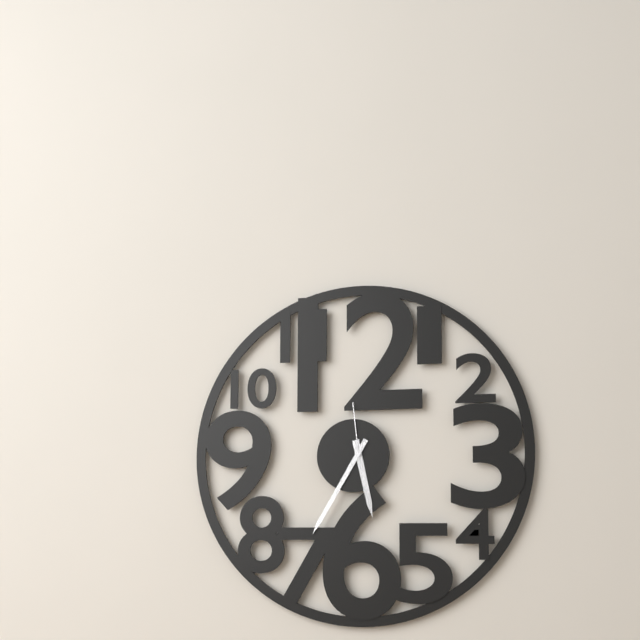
5:35:59
